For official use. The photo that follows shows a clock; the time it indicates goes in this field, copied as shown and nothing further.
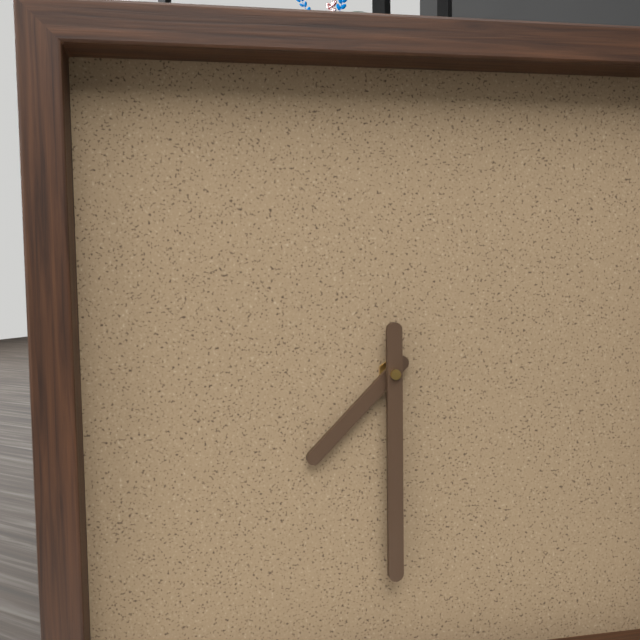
7:30
